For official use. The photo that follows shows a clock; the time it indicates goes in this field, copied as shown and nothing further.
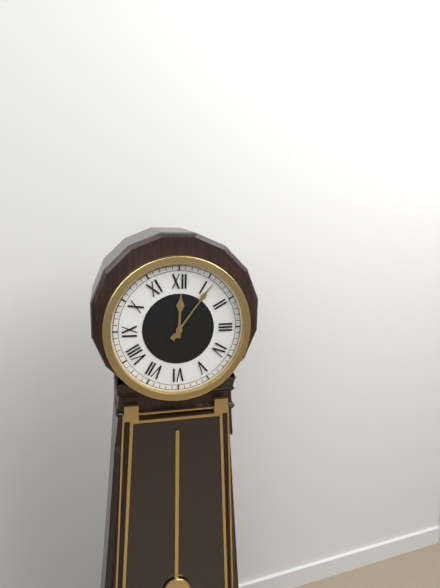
12:06
